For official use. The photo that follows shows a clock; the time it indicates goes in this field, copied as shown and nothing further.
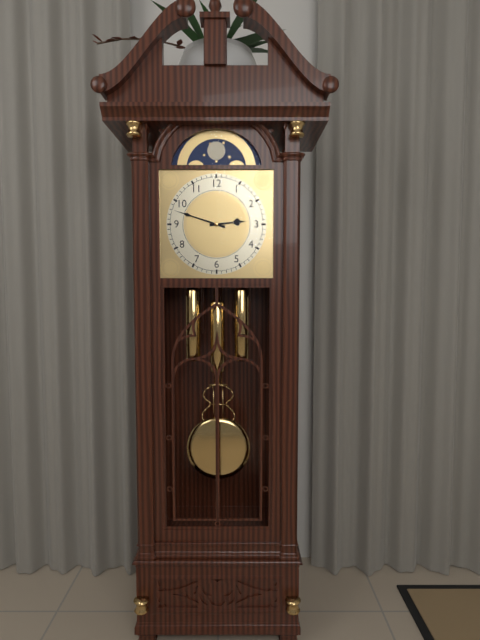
2:48
